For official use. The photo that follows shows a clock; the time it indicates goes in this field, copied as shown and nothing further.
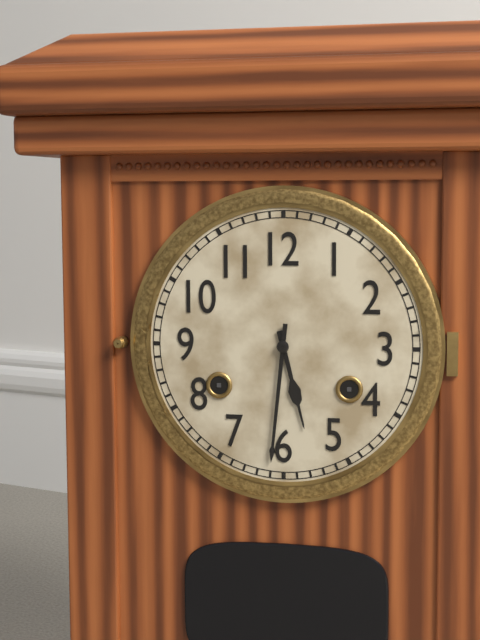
5:31
